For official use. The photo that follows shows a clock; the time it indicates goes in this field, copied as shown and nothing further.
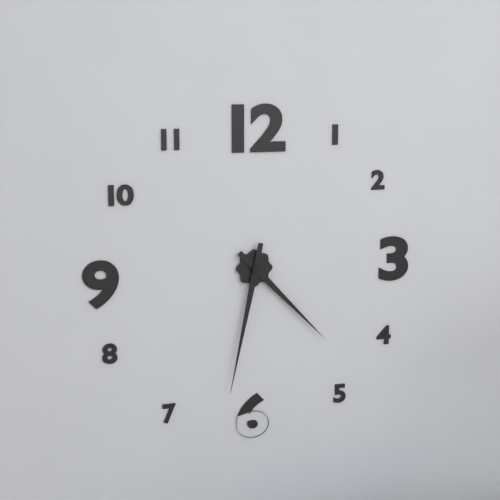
4:32
